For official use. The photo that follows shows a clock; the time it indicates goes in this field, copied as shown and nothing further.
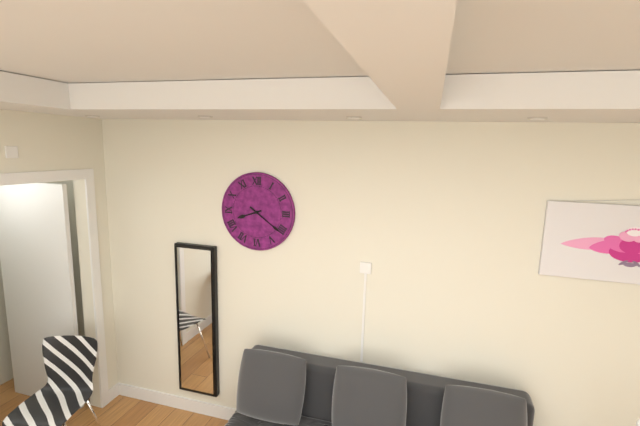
8:21
